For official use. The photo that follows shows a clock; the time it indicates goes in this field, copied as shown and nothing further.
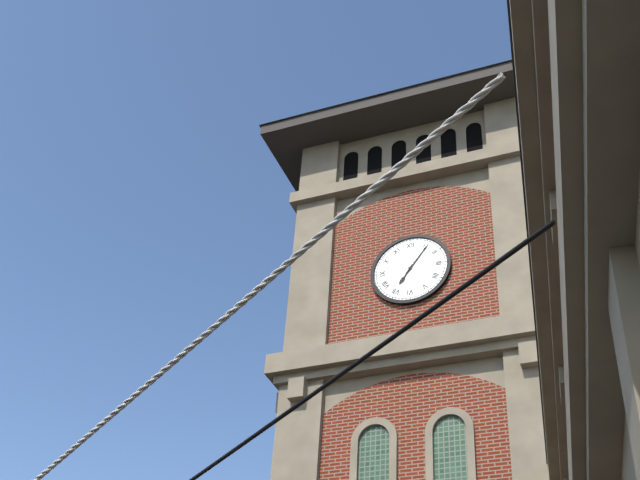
7:06
